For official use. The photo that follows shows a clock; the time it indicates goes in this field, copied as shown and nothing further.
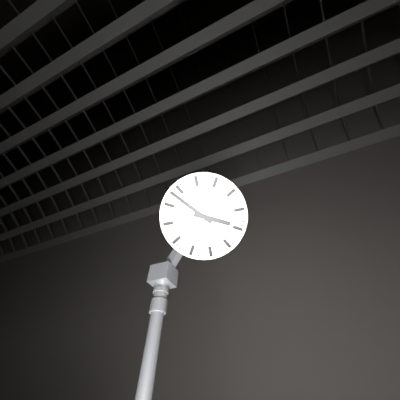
3:53
